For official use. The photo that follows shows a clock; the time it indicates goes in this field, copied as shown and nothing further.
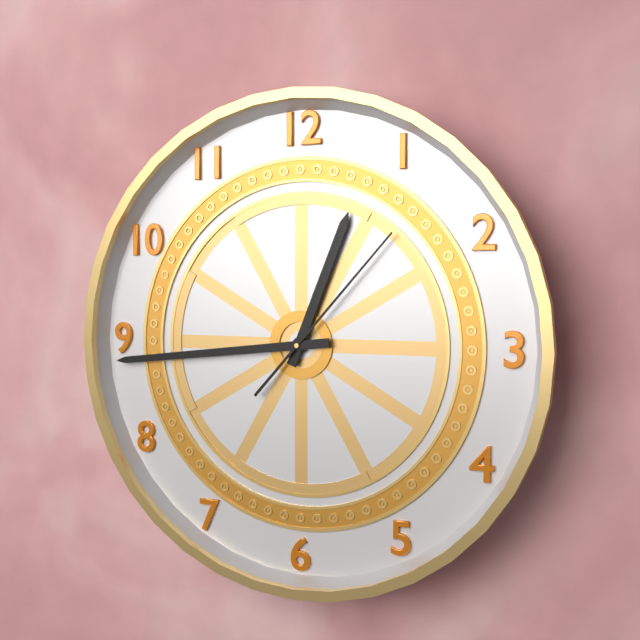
12:44:07
